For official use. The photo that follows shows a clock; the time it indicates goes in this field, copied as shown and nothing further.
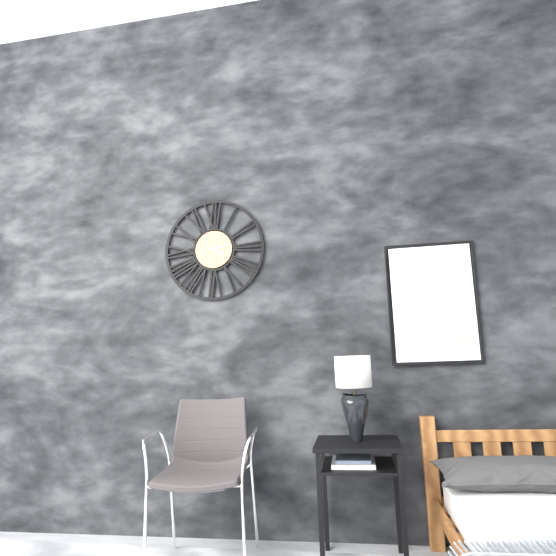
4:13
